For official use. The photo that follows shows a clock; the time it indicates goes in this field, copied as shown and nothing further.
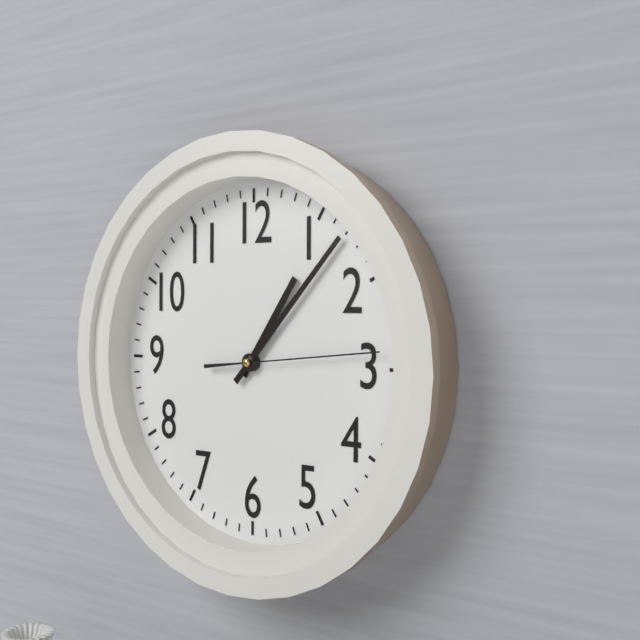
1:07:14
